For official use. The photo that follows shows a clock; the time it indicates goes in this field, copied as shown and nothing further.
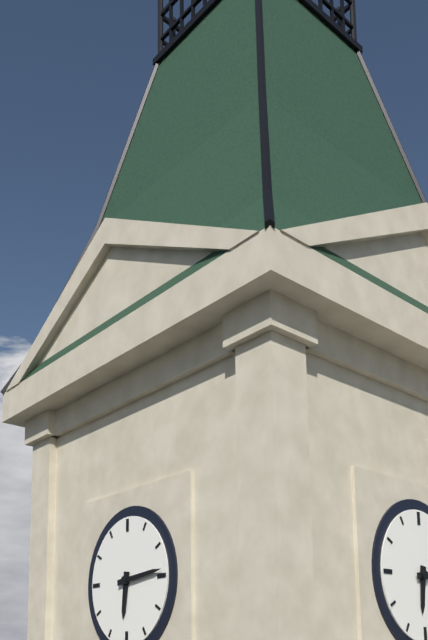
6:14
